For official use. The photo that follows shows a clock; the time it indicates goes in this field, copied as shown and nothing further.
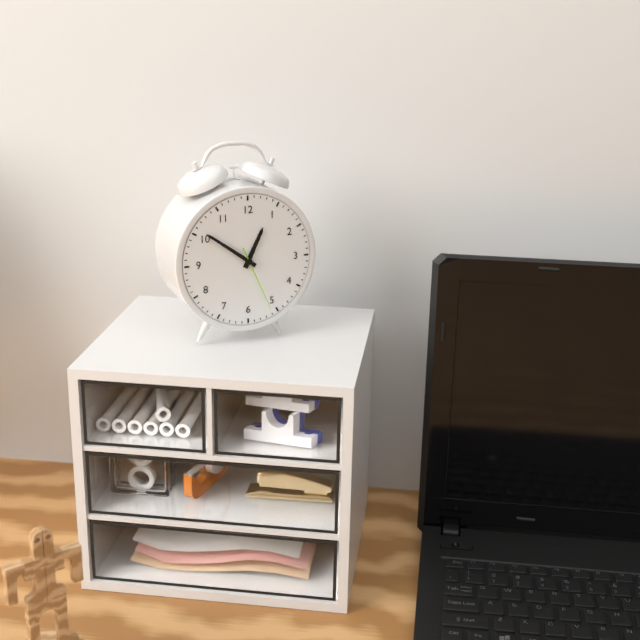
12:51:26
